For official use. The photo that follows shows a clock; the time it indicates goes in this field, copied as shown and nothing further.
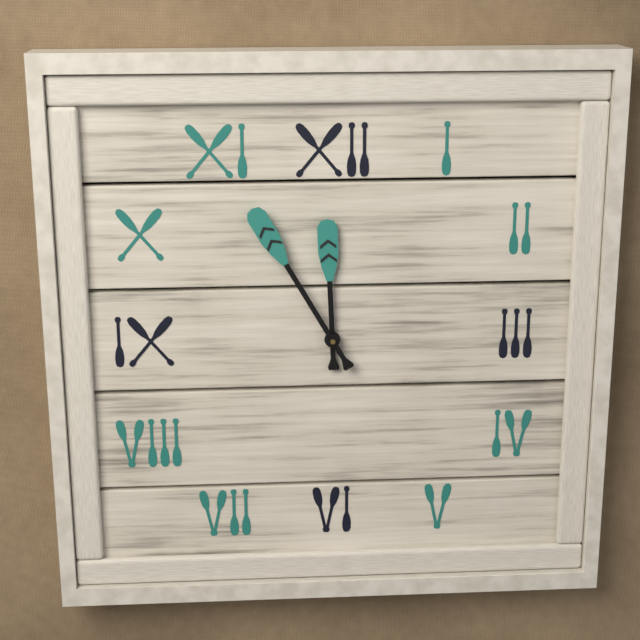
11:55
